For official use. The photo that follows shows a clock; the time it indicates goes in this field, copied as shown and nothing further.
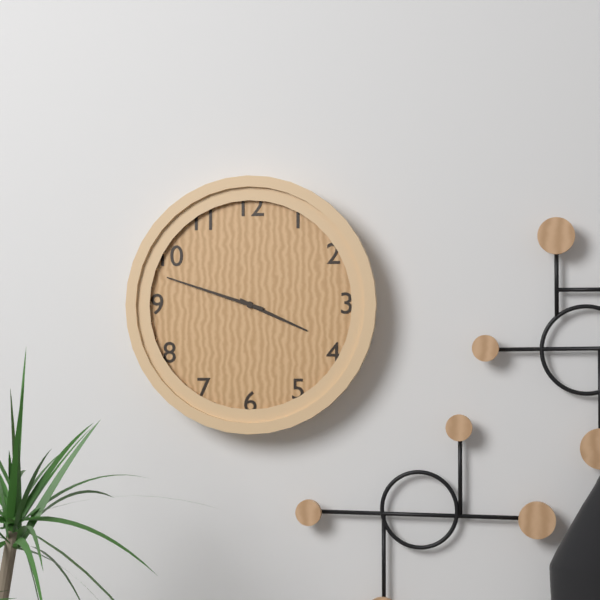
3:48
